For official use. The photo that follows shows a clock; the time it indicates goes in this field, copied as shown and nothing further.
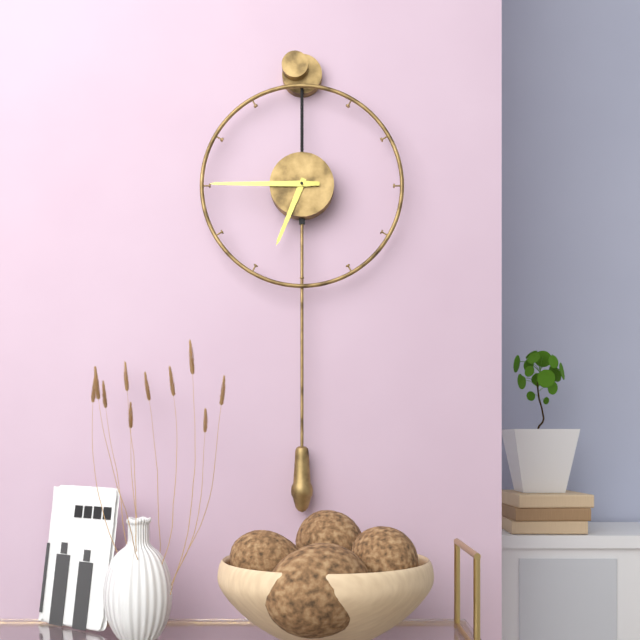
6:45
